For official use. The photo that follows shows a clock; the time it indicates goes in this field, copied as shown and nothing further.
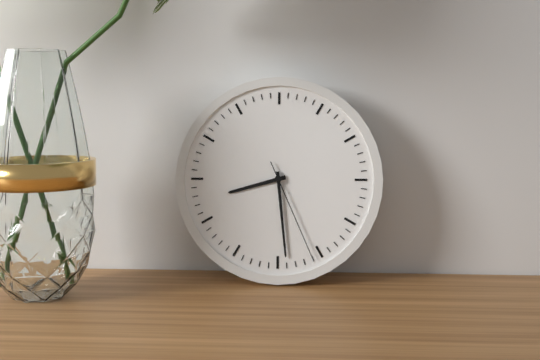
8:29:26
